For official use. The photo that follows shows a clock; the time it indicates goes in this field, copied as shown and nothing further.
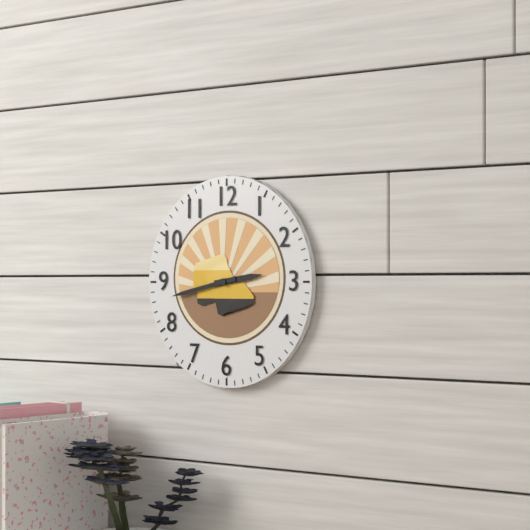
2:43
